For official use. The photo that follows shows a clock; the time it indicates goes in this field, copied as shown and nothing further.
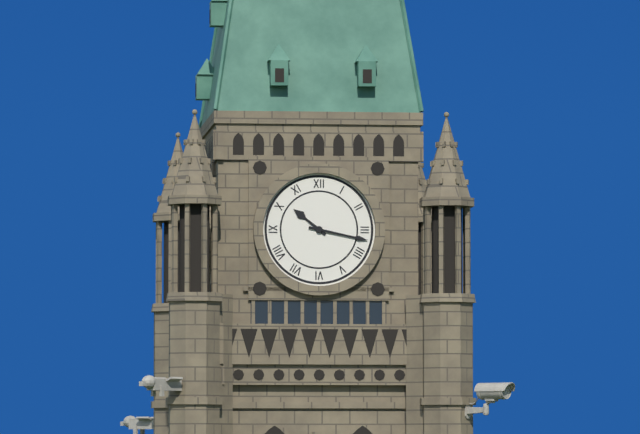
10:17
